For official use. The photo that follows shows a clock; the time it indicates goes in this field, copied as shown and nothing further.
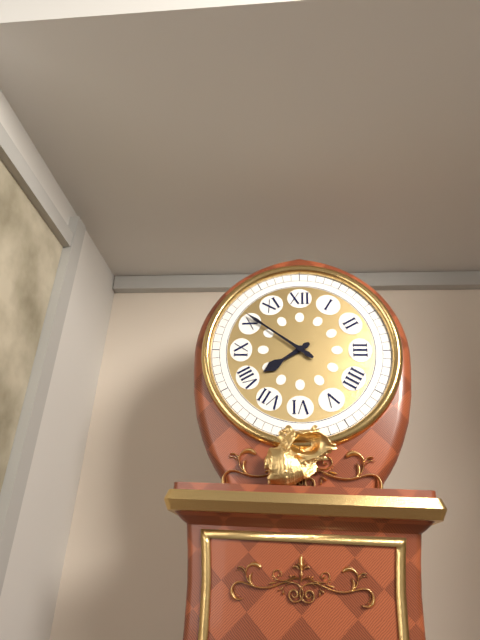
7:51
